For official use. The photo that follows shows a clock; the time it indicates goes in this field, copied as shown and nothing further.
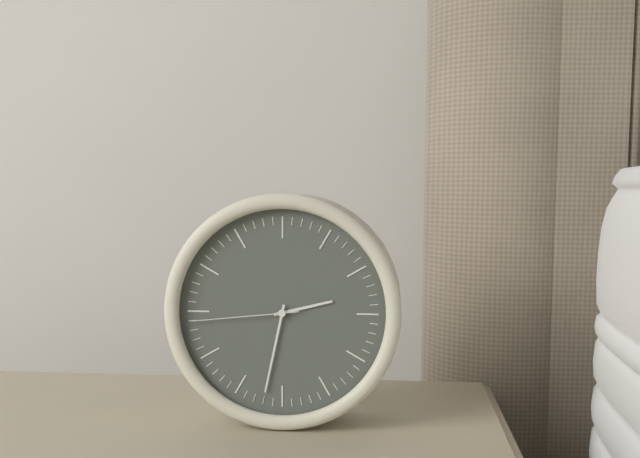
2:32:44
